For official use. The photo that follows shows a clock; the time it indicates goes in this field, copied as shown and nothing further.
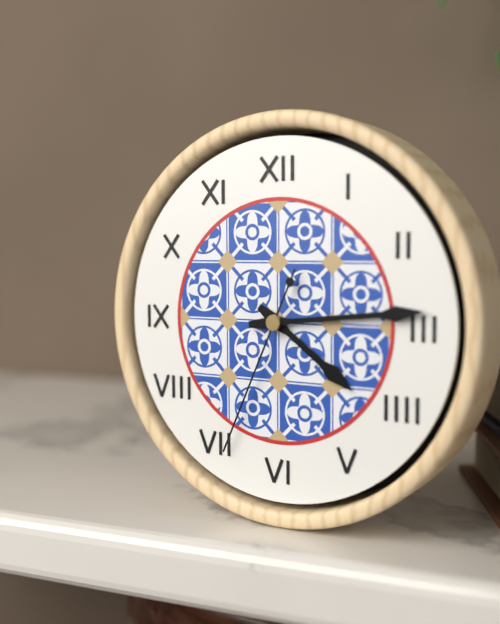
4:14:34
